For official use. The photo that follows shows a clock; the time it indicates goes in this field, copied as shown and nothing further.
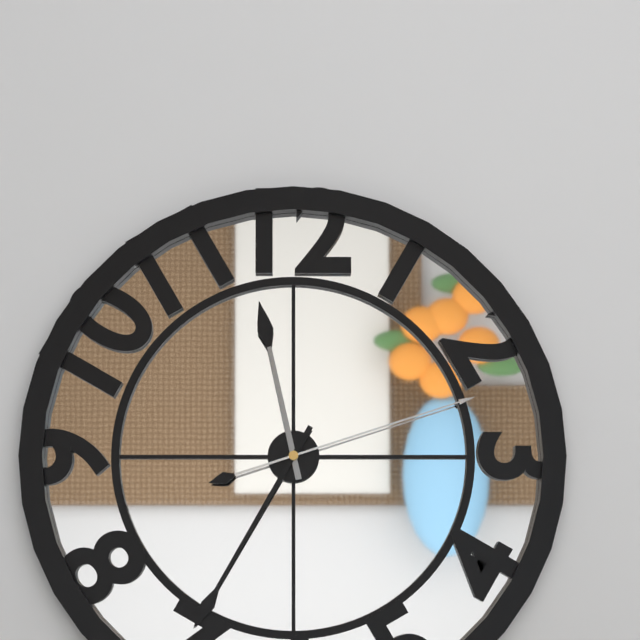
11:35:12
